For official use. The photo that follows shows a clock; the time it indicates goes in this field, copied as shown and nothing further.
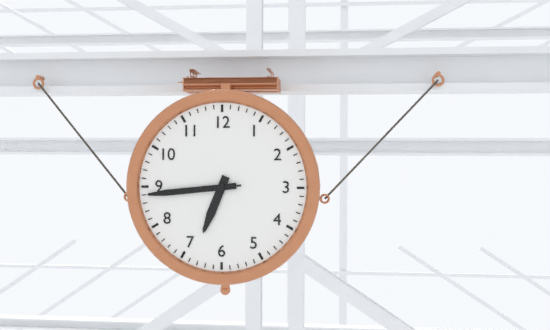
6:44:44
